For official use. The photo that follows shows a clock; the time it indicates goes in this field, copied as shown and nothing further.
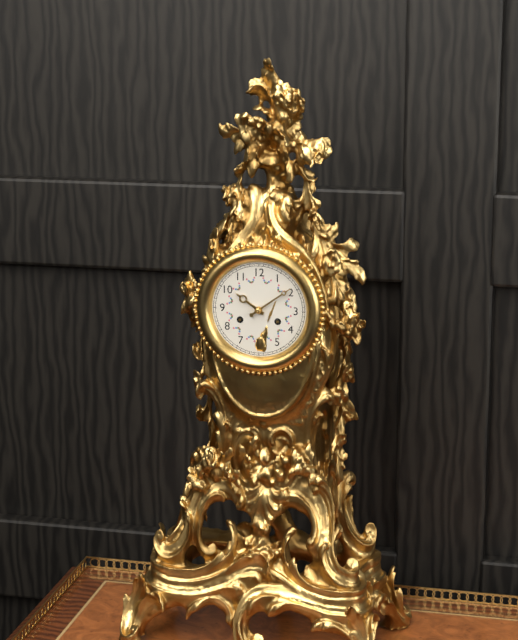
10:09
